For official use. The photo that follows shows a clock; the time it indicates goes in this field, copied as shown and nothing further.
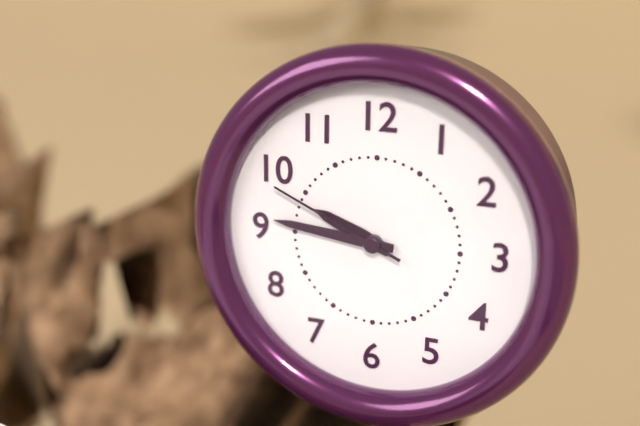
9:46:49
